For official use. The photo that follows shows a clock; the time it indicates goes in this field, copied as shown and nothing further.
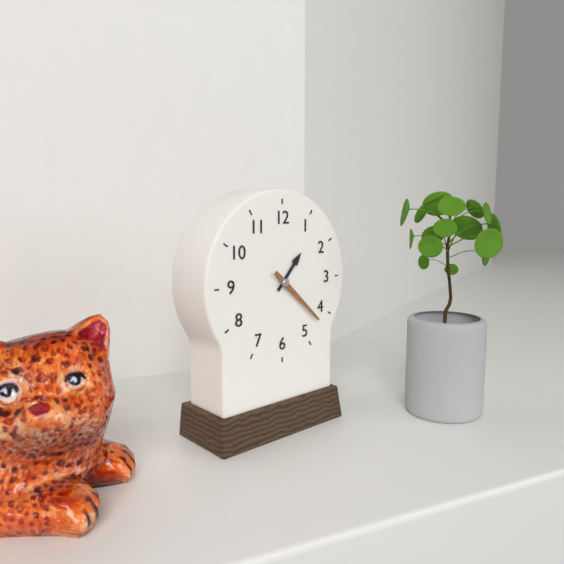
1:22
